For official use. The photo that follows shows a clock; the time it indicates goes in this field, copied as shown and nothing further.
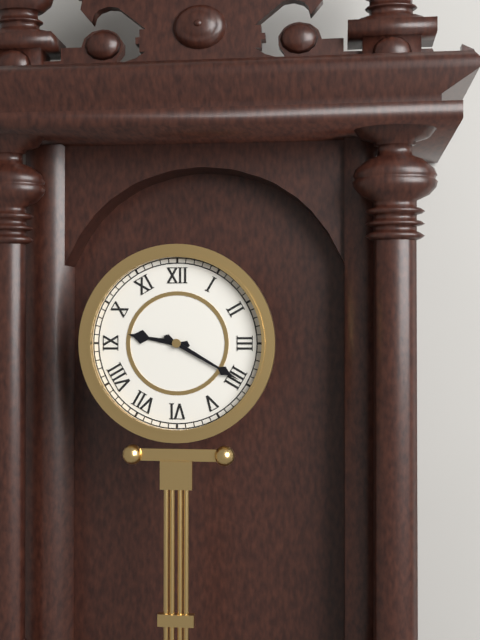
9:20
